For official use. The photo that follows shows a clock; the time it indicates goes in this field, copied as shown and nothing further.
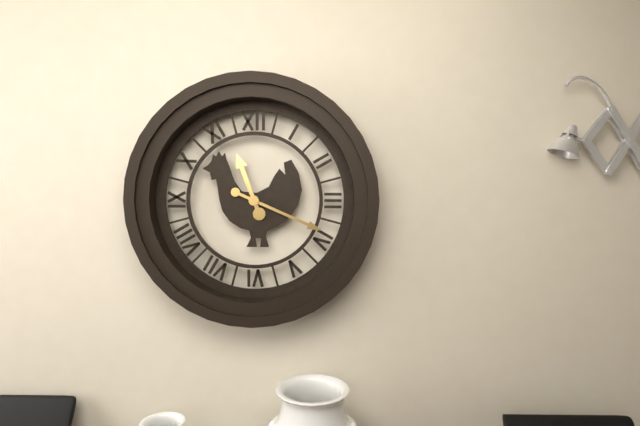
11:19
